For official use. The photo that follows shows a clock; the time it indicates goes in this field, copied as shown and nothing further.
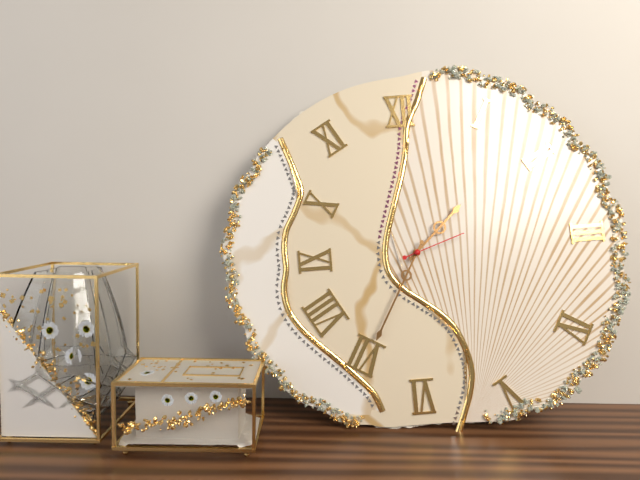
1:35:12
